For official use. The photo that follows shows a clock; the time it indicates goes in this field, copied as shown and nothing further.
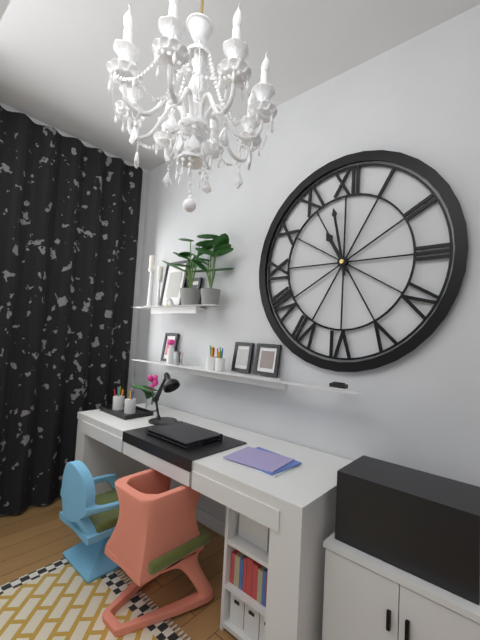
10:58
